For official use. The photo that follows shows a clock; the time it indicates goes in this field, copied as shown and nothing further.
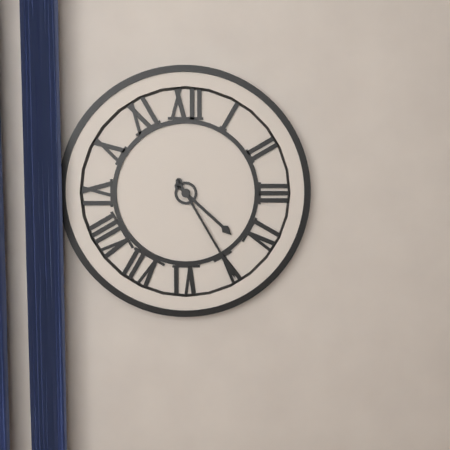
4:25
